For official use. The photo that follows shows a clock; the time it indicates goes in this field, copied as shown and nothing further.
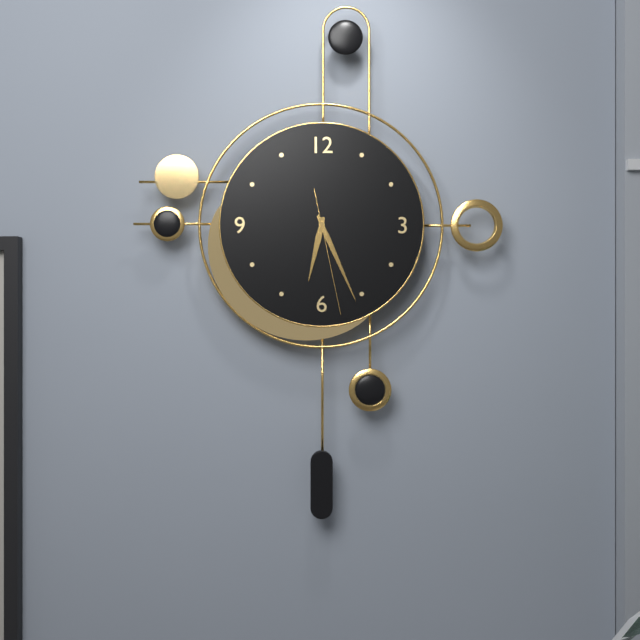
6:26:28
